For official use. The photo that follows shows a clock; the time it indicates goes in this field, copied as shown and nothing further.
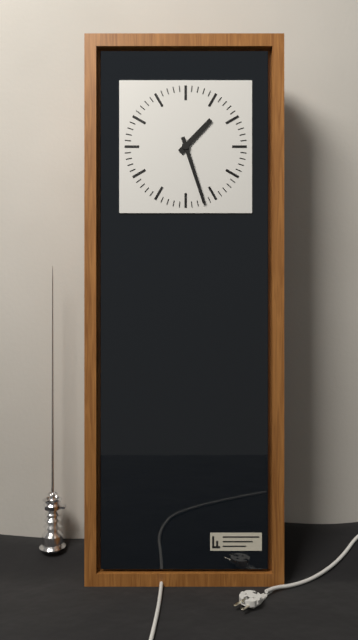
1:27
